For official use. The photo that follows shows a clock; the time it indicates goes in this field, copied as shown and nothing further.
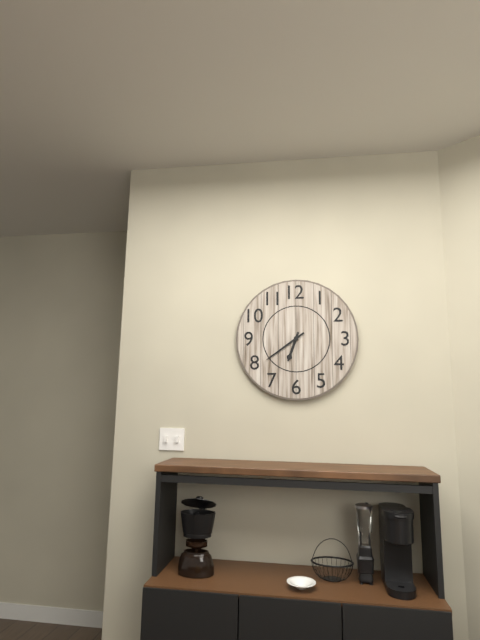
6:39
